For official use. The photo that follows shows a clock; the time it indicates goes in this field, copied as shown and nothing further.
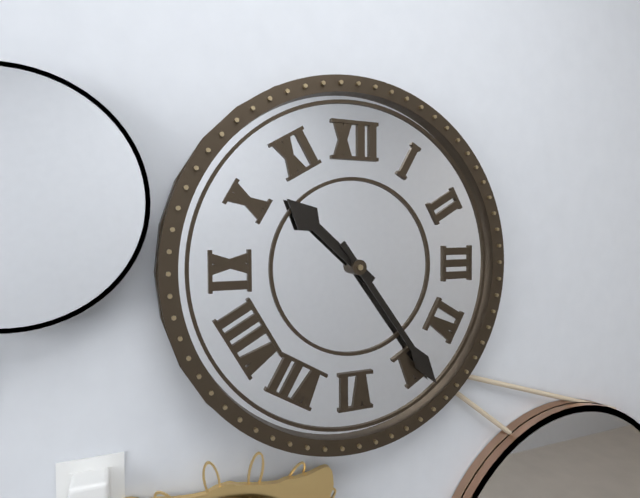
10:24
